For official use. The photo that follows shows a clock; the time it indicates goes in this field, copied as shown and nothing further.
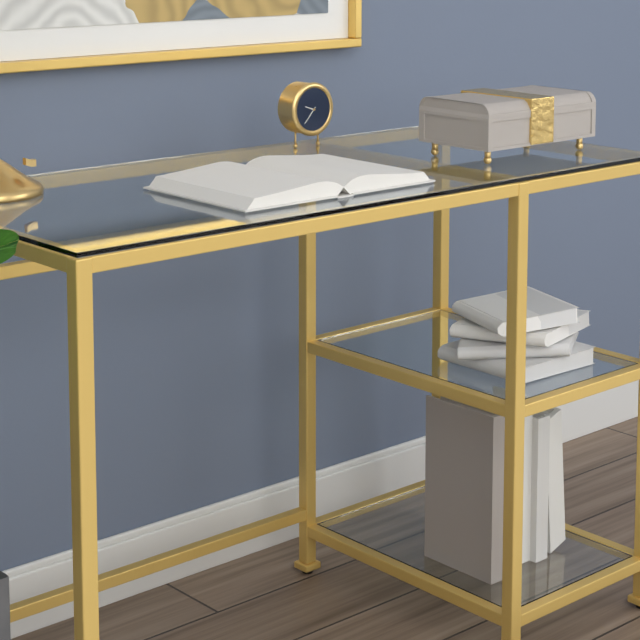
9:37
